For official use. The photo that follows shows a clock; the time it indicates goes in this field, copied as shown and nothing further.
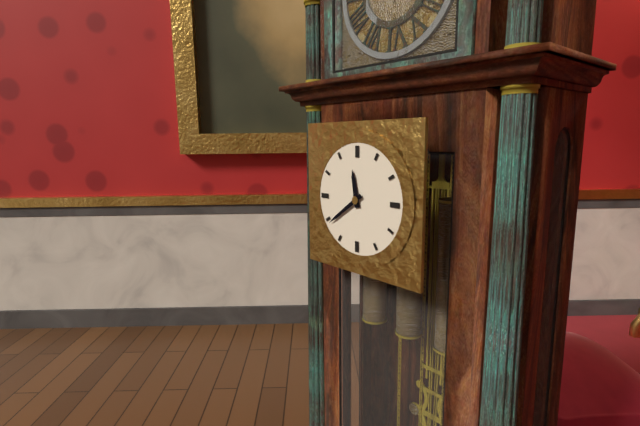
11:39
